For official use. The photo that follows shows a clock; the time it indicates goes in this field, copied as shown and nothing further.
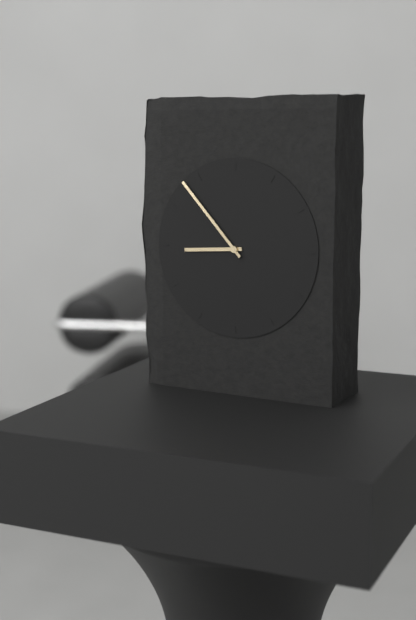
8:53
